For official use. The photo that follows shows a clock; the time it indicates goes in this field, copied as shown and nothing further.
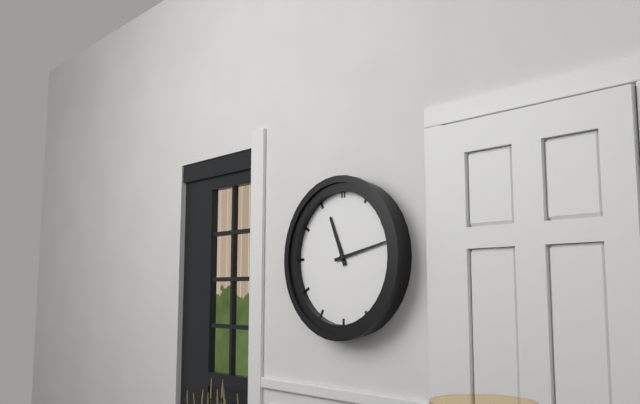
11:13
